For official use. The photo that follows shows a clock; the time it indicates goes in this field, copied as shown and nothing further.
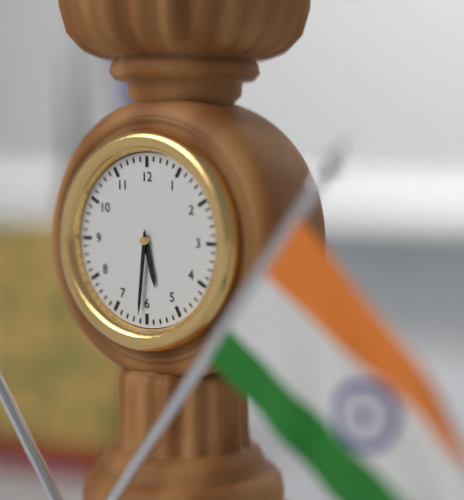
5:31
